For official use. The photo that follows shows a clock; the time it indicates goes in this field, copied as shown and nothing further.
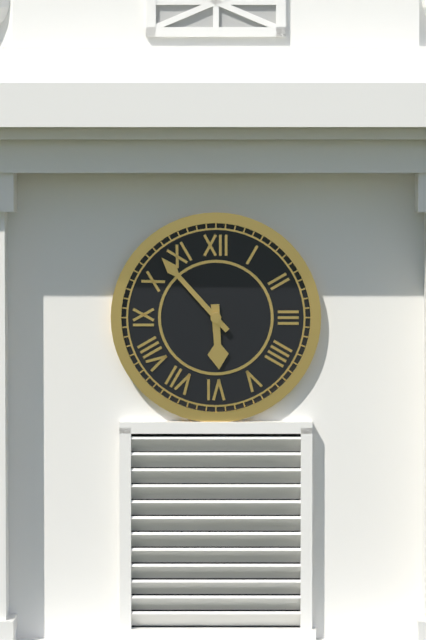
5:53
